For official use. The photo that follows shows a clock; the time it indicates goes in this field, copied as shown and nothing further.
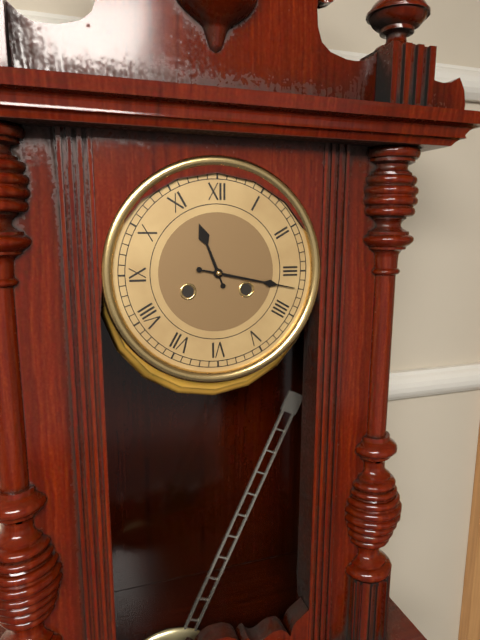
11:17
